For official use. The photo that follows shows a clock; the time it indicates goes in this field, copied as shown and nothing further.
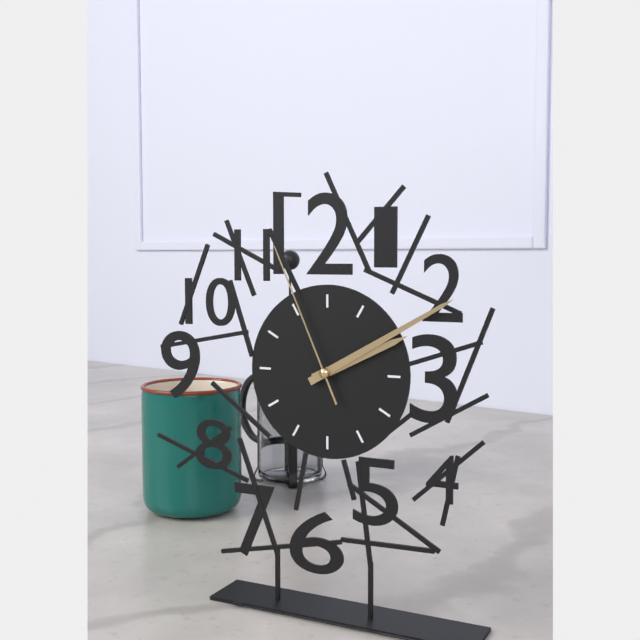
2:10:56
